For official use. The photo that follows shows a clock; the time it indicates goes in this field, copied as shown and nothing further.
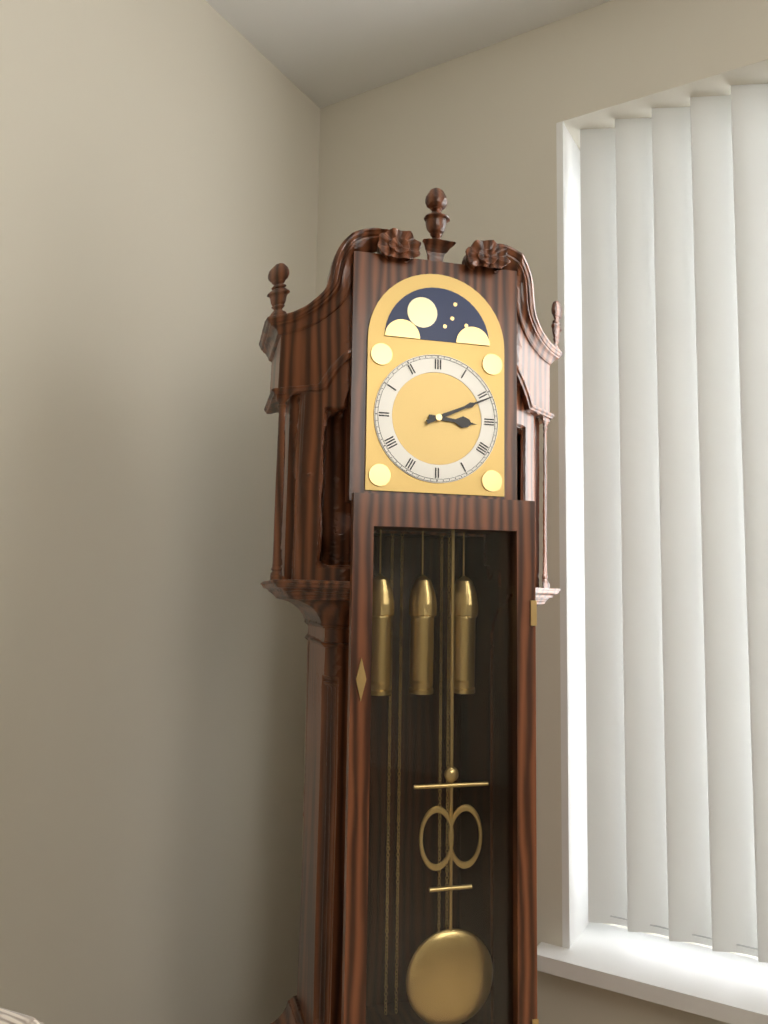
3:11
